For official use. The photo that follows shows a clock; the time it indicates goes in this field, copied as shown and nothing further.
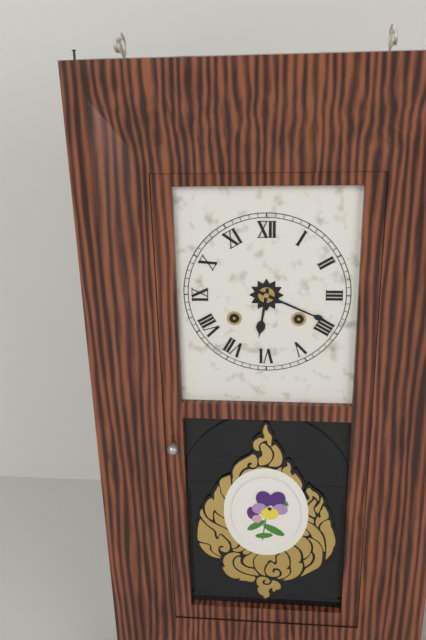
6:19
